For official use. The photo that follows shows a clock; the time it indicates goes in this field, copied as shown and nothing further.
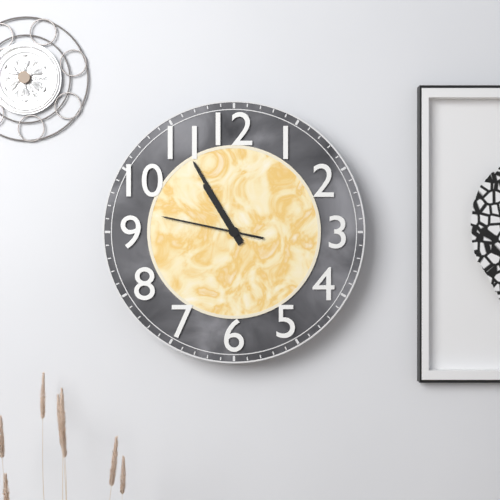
10:55:47
